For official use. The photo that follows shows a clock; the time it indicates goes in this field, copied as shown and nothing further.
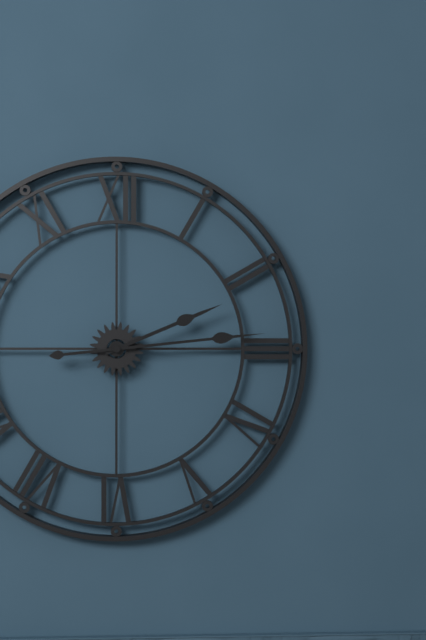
2:14
